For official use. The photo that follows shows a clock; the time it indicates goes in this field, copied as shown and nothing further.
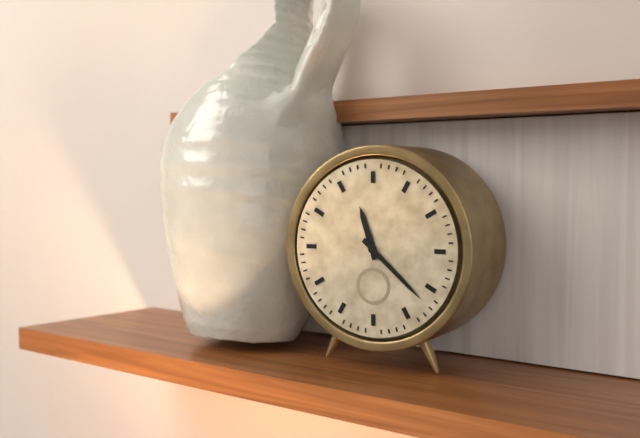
11:22
